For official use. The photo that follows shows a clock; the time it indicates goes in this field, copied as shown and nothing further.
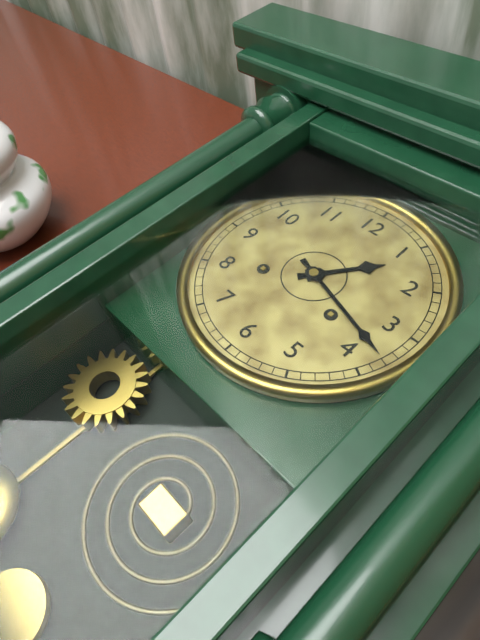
1:18
